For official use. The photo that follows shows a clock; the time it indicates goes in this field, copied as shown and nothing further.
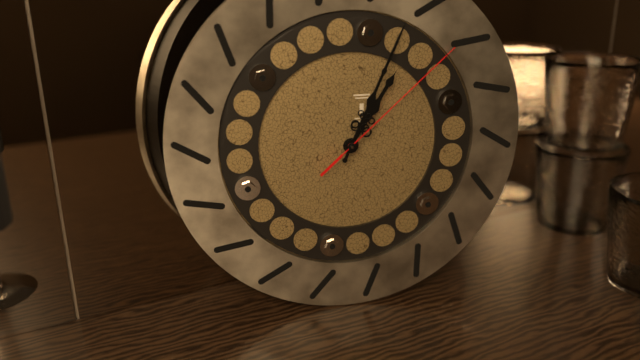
1:04:08
